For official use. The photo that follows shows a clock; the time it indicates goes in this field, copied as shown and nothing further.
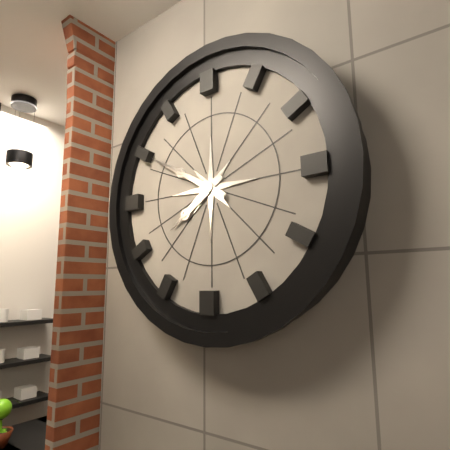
7:50
